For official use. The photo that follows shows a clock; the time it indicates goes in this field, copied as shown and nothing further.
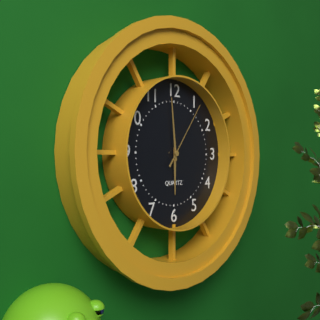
5:59:06
